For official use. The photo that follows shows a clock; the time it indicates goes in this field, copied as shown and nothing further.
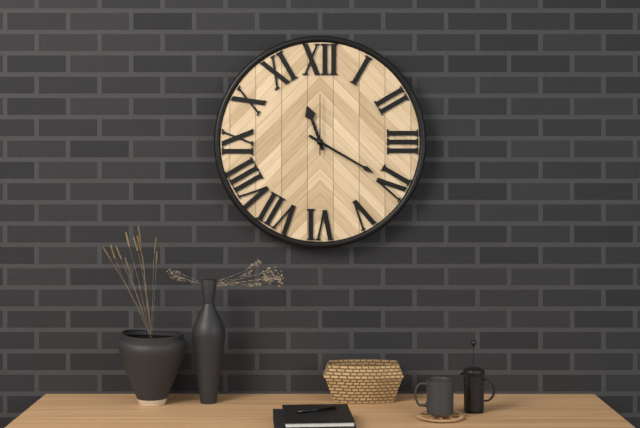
11:20:00
